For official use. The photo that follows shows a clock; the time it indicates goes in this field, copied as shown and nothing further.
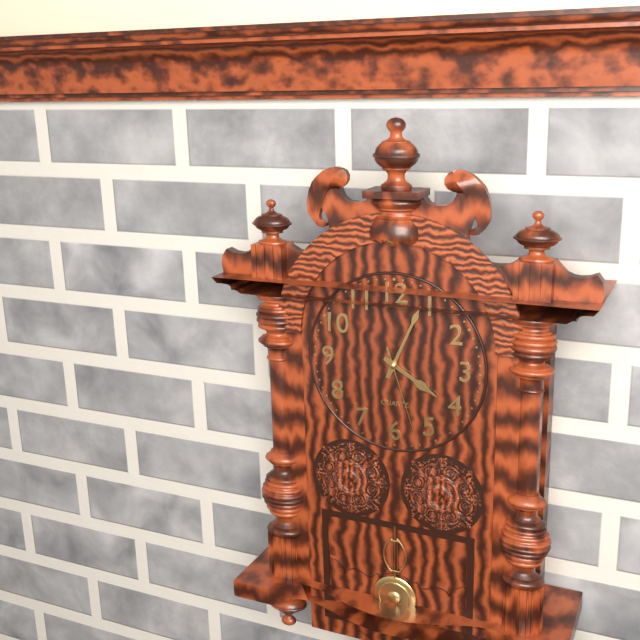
4:04:27
